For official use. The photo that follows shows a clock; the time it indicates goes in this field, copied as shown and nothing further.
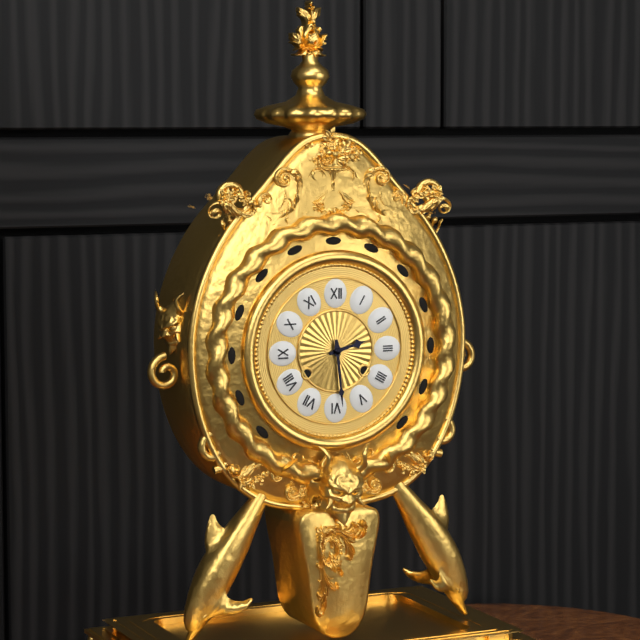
2:29
